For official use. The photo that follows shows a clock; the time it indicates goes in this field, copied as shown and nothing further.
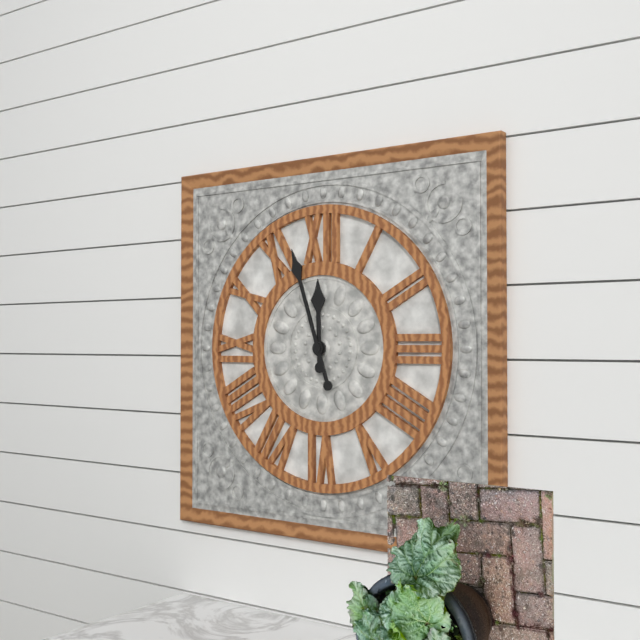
11:57
